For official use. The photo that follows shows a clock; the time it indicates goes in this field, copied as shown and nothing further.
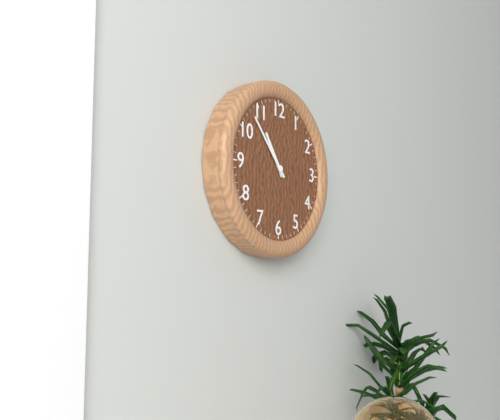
10:53
